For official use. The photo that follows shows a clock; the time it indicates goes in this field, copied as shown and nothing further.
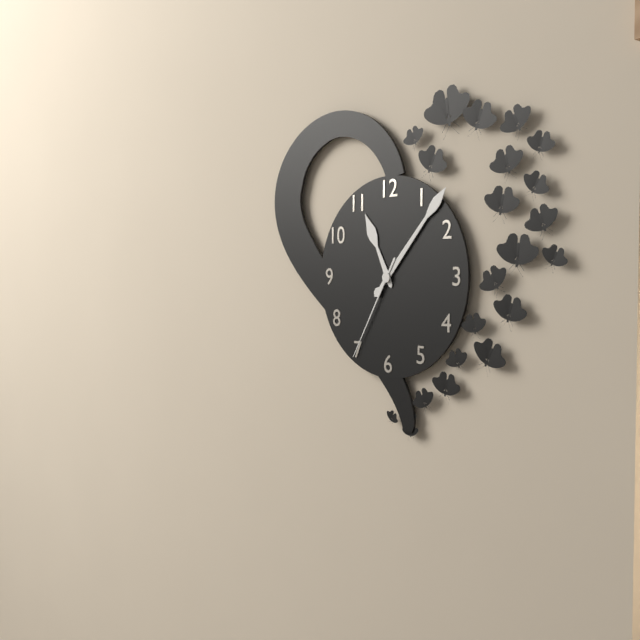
11:07:35
